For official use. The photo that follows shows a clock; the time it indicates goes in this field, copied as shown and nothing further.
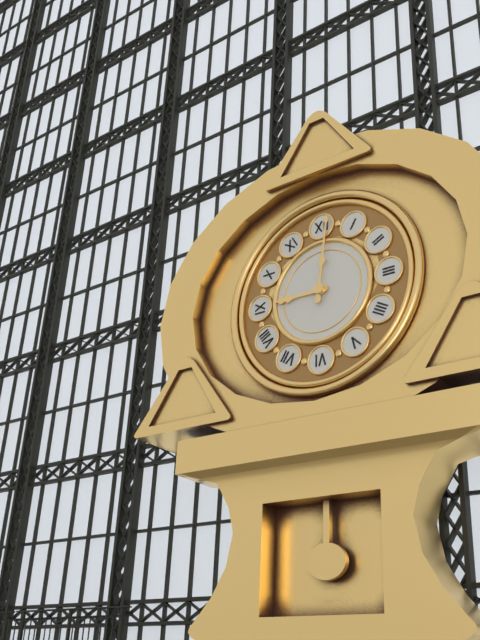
9:01
